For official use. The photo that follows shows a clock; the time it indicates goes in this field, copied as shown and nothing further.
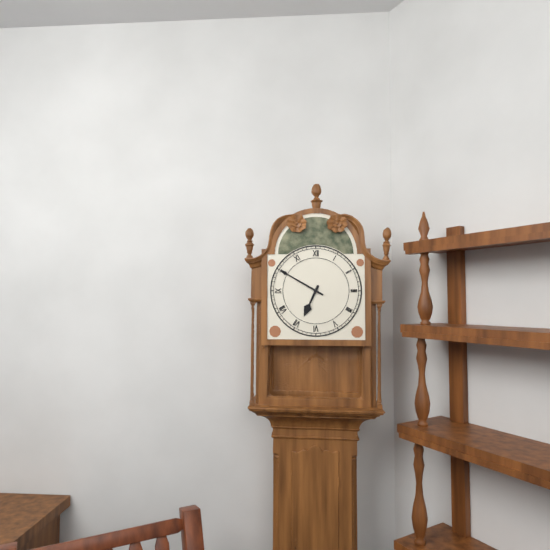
6:50
